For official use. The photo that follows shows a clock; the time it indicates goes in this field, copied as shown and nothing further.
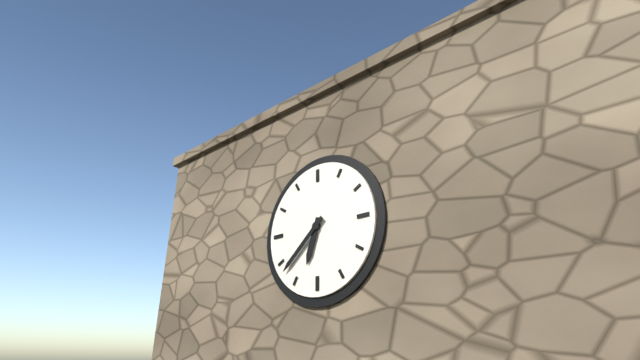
6:38
